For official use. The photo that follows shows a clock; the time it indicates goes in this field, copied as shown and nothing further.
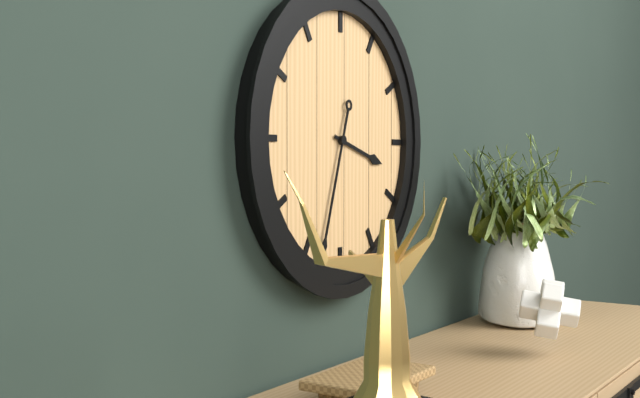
3:33
